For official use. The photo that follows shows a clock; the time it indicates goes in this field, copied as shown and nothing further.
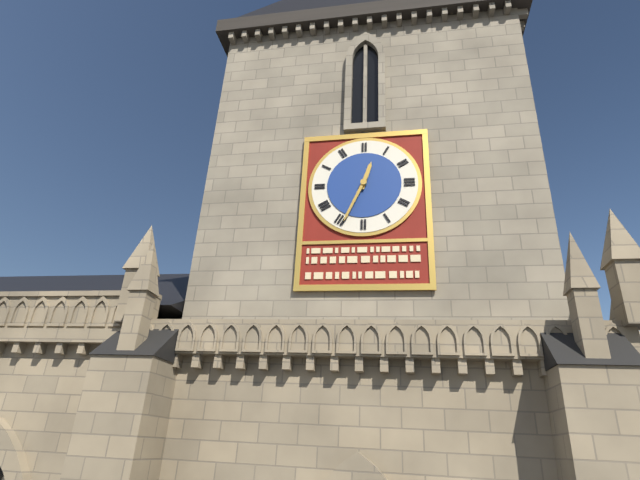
12:34
